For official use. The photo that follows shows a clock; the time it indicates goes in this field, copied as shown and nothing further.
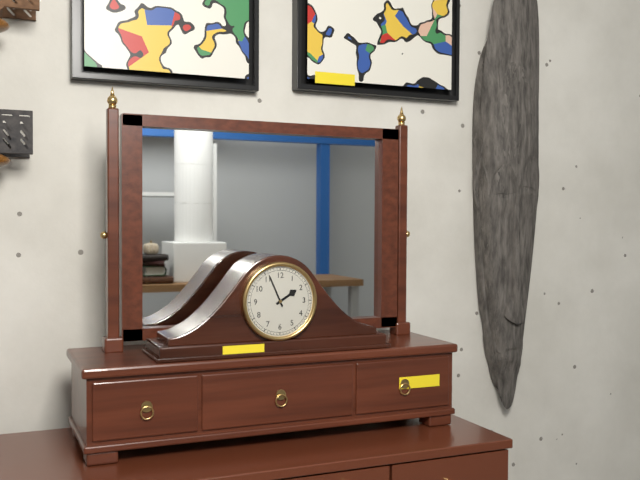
1:56
